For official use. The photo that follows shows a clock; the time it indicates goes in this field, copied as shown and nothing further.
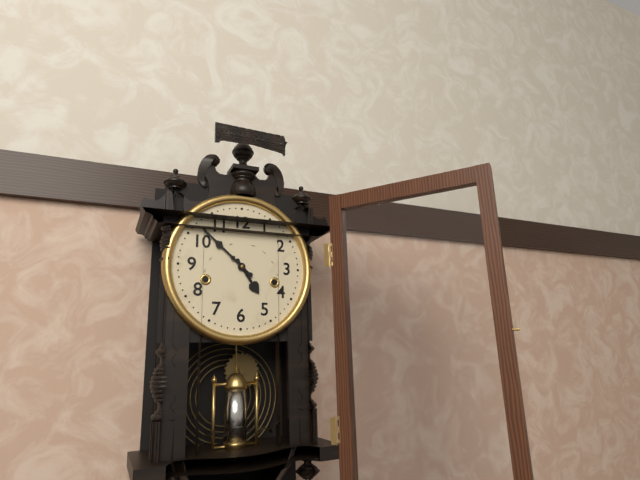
4:52
